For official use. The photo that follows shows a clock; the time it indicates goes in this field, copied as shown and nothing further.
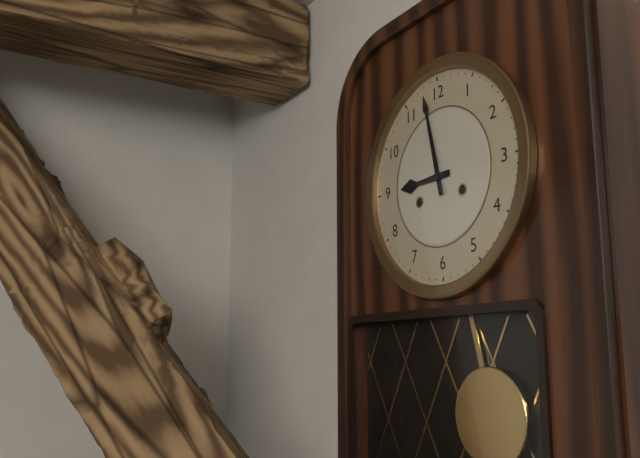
8:58
